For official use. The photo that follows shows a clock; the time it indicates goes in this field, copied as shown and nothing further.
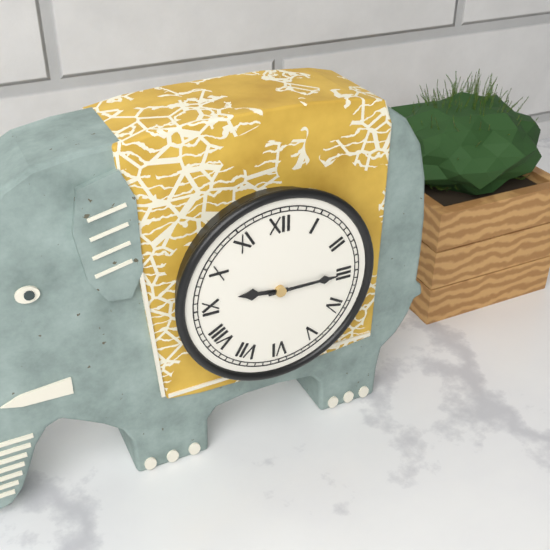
9:15
